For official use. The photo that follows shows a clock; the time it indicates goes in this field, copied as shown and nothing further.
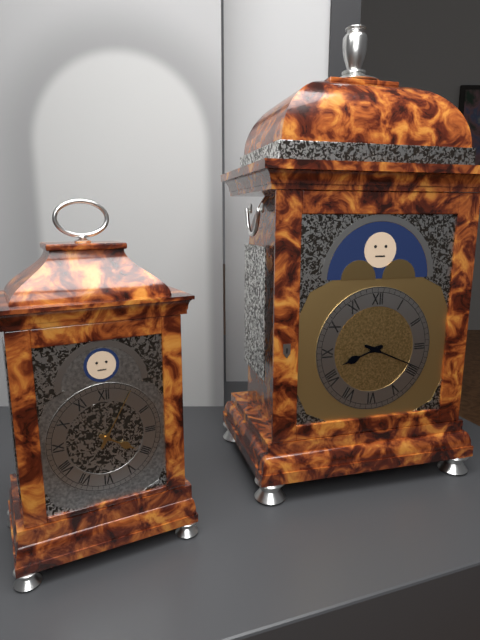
8:19
